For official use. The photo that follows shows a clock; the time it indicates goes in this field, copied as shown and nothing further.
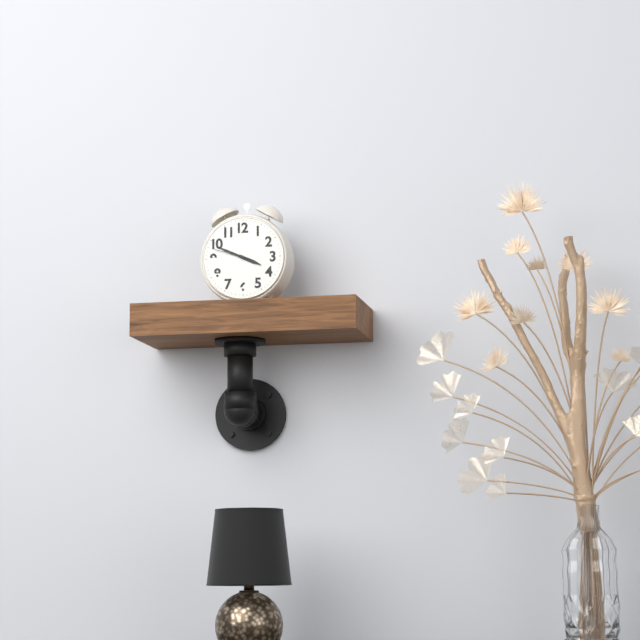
3:49
